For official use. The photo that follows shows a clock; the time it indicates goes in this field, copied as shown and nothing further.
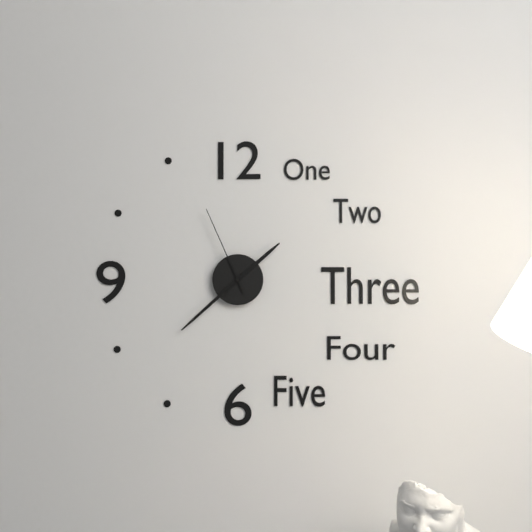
1:38:56
